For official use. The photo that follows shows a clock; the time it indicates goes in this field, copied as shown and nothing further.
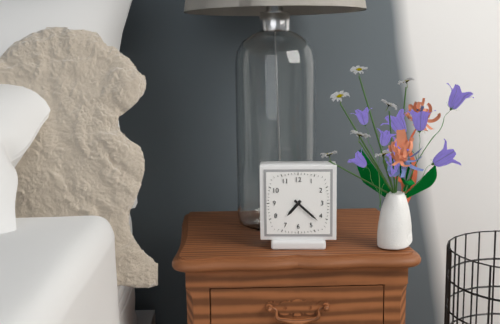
7:22
